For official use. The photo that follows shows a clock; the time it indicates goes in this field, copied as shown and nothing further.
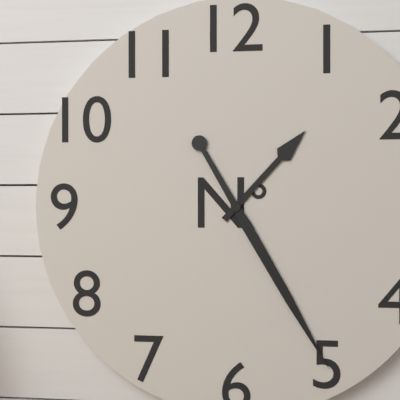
1:25
